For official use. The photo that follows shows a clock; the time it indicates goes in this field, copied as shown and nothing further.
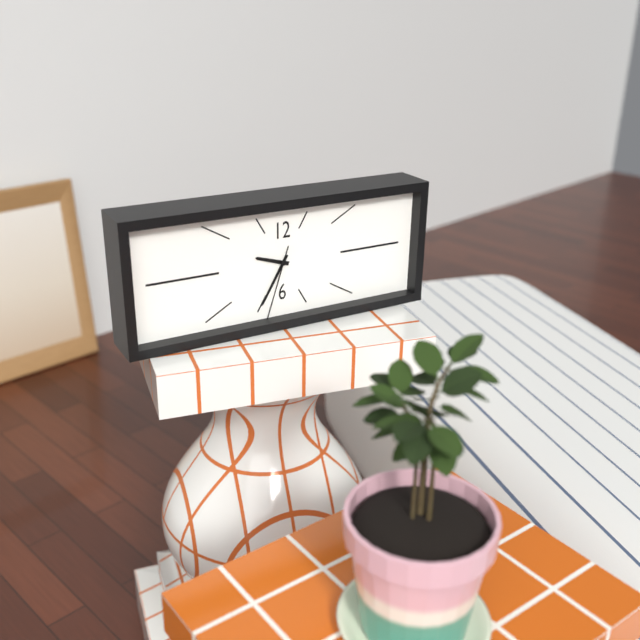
9:35:33
